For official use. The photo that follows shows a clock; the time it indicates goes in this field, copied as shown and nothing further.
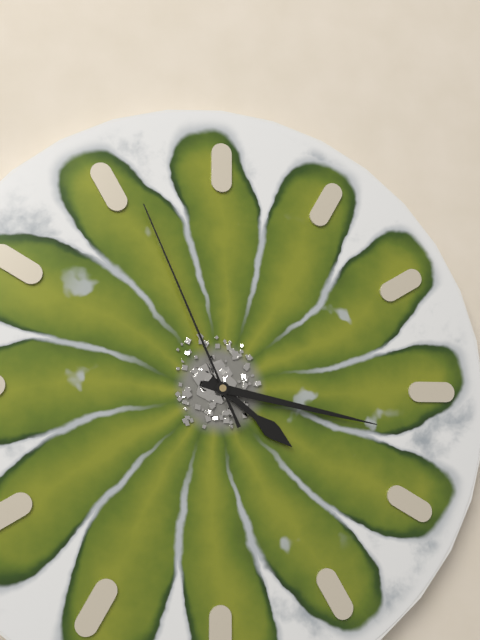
4:17:56
